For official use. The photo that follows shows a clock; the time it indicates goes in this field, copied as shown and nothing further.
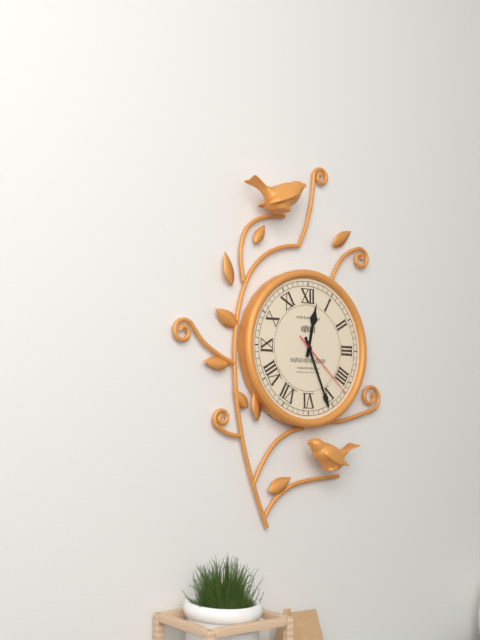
12:26:22
